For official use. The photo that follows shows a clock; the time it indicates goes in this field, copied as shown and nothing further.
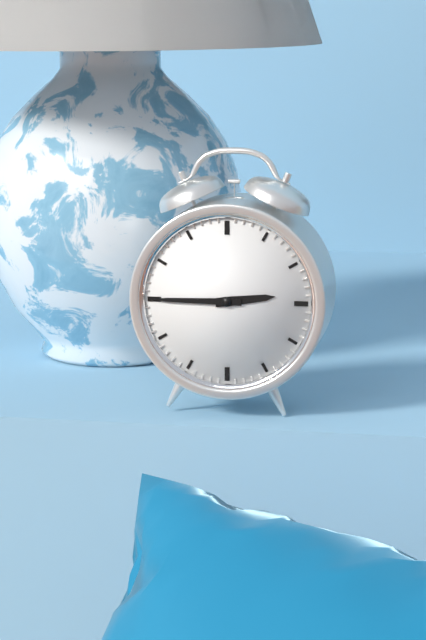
2:45
